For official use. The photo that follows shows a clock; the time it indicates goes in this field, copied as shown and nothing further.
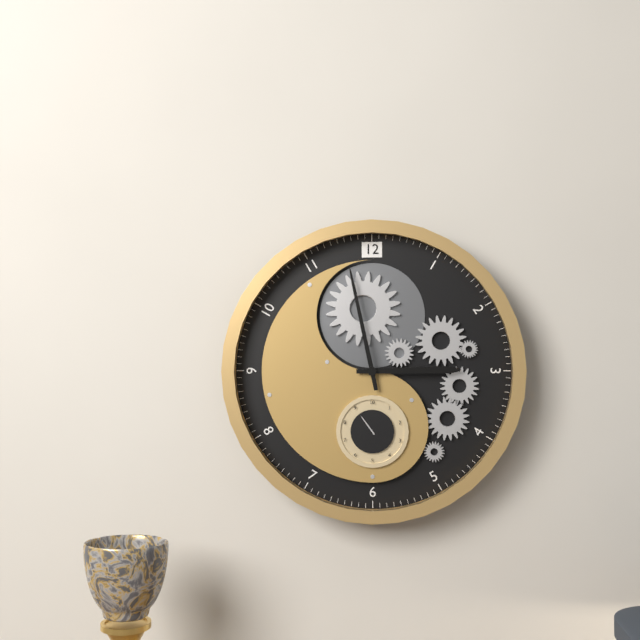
2:58
